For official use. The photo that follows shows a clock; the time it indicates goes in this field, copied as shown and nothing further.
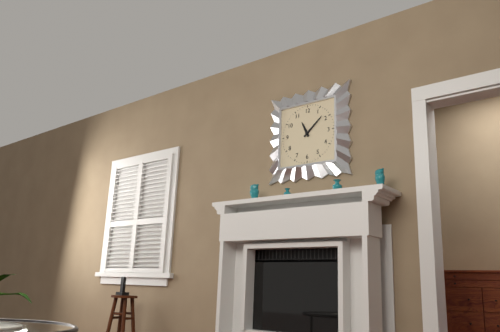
11:08
